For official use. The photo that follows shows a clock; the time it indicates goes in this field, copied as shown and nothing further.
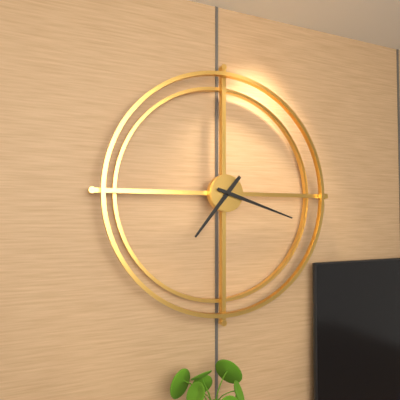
7:18
